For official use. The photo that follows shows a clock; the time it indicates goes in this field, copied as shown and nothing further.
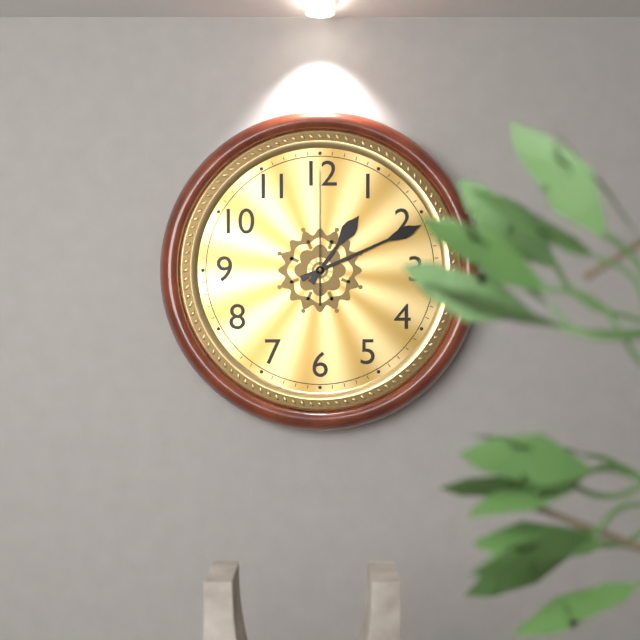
1:11:00
